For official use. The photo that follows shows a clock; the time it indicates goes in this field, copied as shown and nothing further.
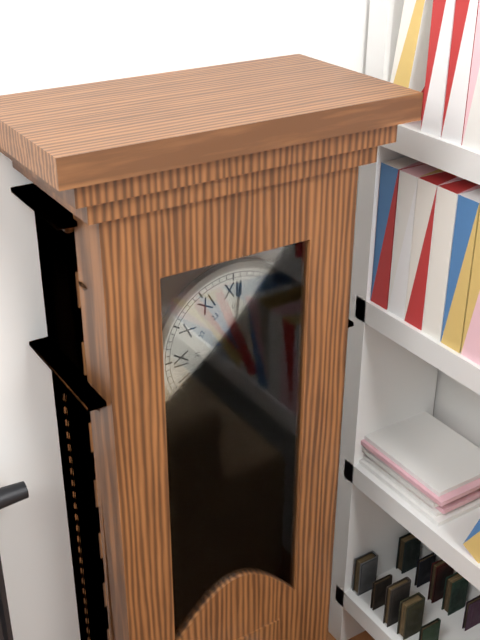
8:01
